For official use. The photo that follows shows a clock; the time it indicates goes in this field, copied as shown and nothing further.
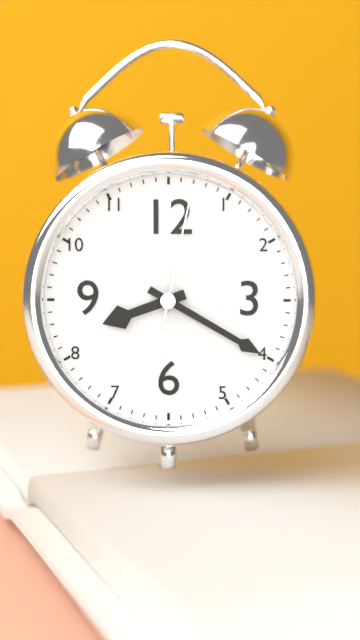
8:20:02
